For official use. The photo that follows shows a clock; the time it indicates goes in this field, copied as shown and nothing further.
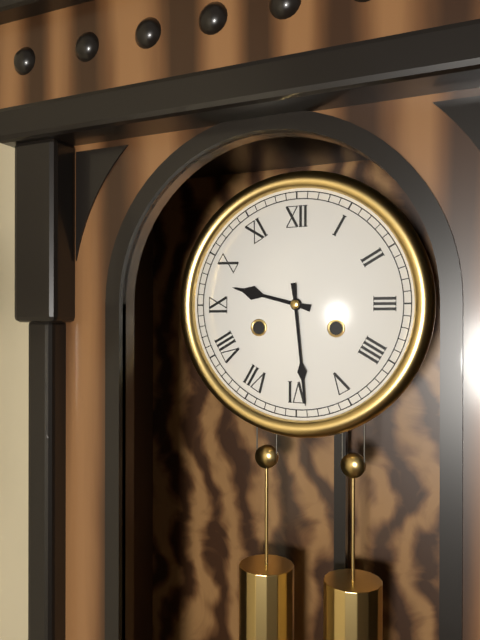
9:29
